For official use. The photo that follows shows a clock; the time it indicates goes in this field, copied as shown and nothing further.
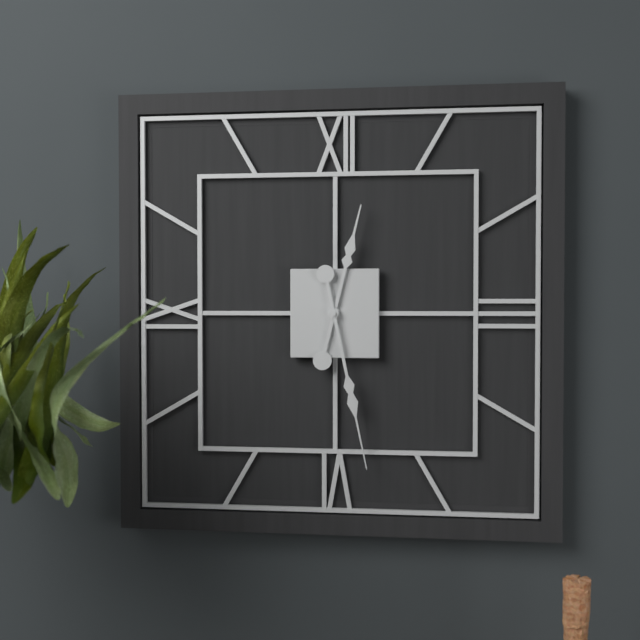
12:28
